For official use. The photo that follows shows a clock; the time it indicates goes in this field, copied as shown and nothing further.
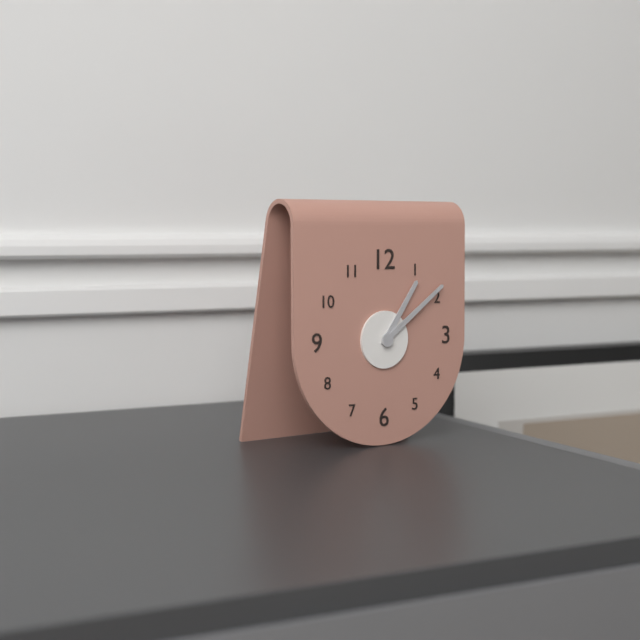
1:09
